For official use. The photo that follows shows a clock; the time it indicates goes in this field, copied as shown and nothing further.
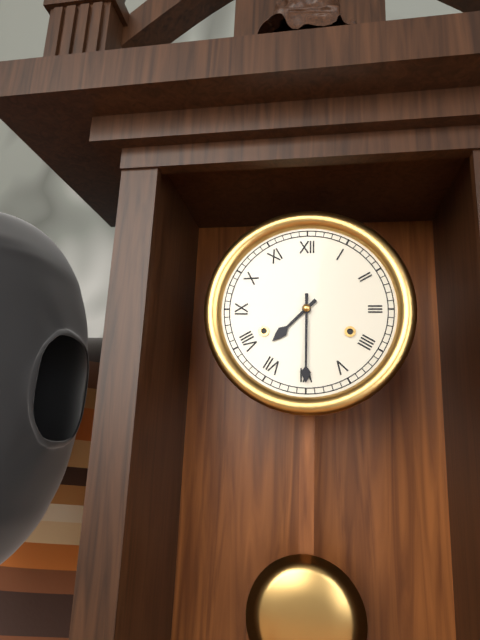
7:30
